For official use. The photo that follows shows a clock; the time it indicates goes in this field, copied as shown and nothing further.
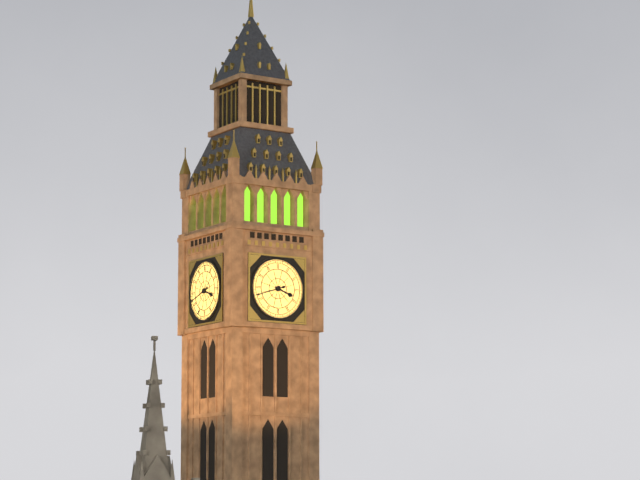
3:42
